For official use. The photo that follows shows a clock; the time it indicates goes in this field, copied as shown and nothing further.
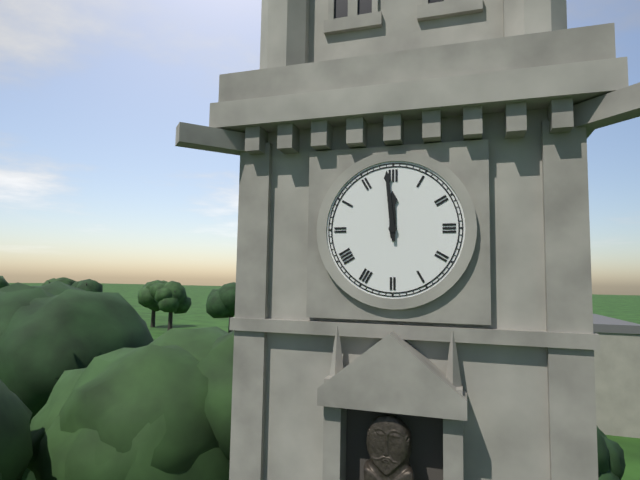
11:59
